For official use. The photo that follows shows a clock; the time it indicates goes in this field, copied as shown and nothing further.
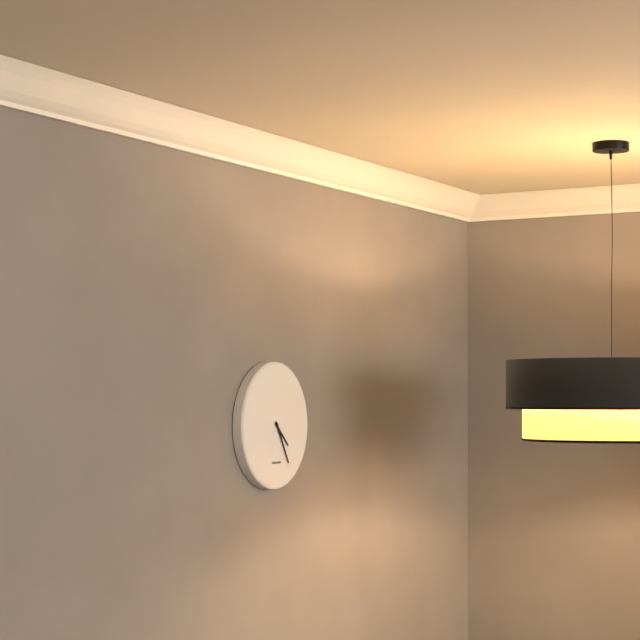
4:25
